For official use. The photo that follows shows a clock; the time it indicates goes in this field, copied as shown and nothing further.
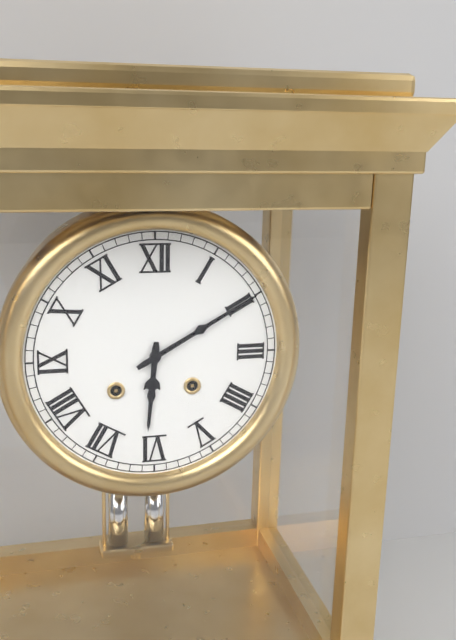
6:10
